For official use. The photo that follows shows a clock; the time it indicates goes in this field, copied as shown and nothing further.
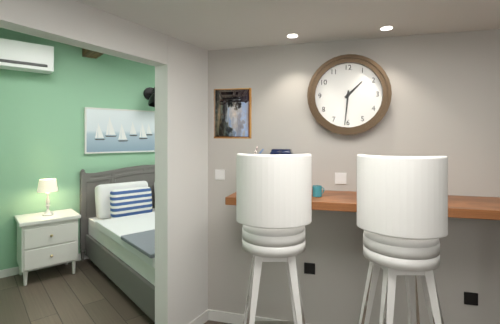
1:31
